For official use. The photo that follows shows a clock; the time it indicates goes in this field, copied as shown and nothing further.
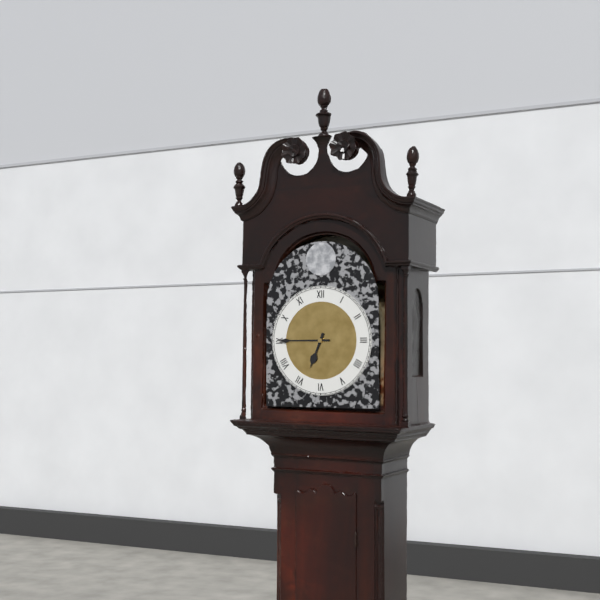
6:45
